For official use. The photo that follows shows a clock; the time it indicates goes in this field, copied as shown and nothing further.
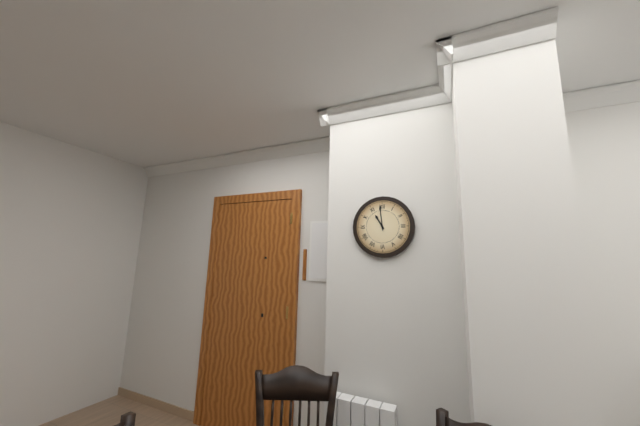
10:59
